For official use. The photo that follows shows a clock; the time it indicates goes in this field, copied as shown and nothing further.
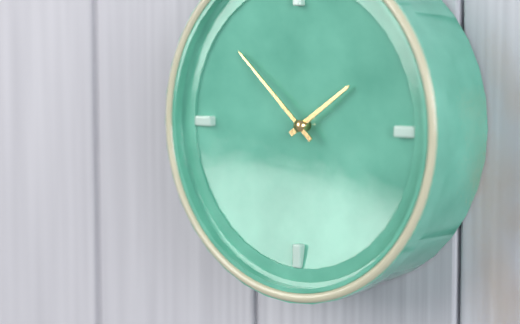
1:52
